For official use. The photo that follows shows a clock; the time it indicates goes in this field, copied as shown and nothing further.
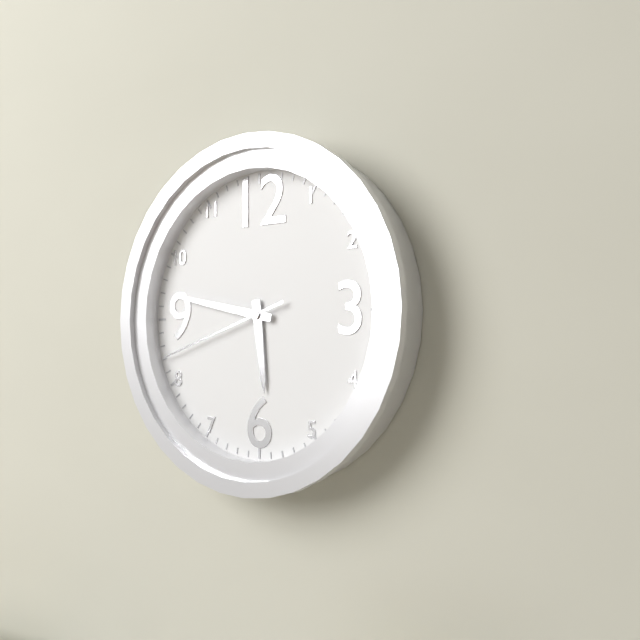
5:47:42
